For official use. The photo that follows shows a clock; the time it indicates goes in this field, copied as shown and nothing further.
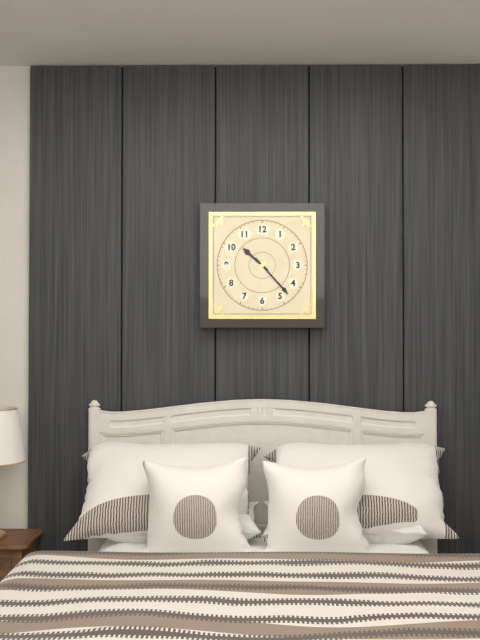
10:23
